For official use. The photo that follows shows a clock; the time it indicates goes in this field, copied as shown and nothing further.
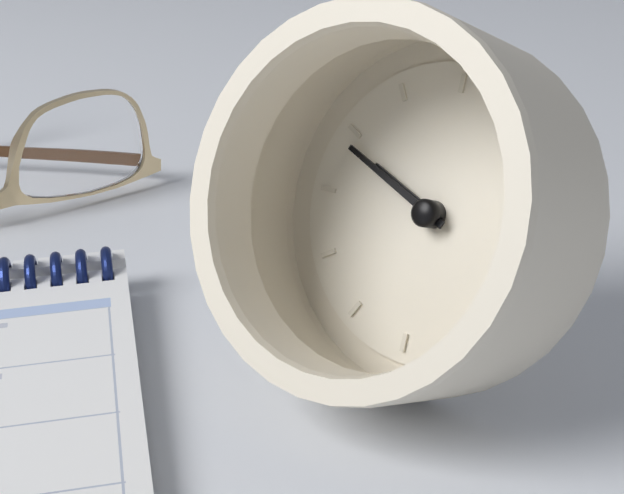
9:49
